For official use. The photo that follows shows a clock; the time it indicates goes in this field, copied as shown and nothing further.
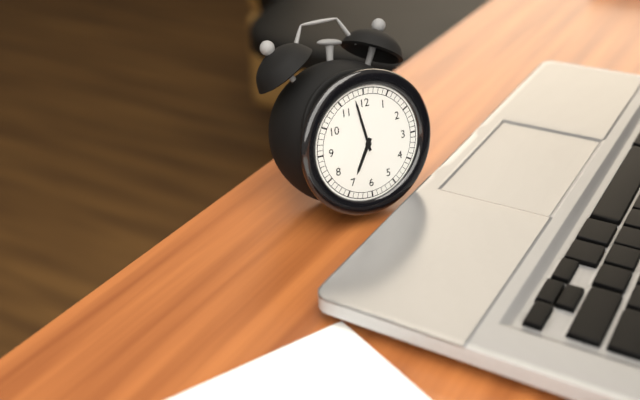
6:58
